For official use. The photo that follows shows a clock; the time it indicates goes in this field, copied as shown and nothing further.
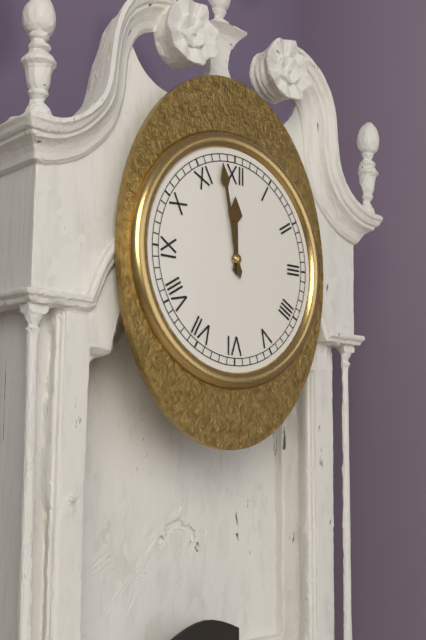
11:58
